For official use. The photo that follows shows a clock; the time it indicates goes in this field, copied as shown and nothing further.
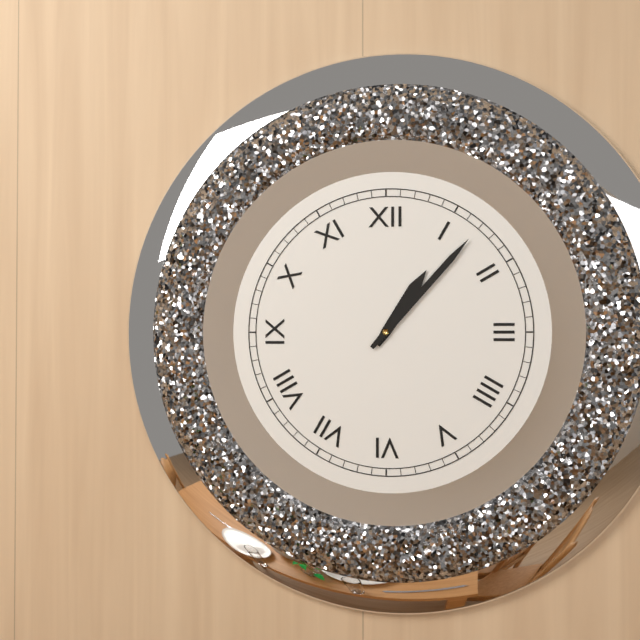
1:07
